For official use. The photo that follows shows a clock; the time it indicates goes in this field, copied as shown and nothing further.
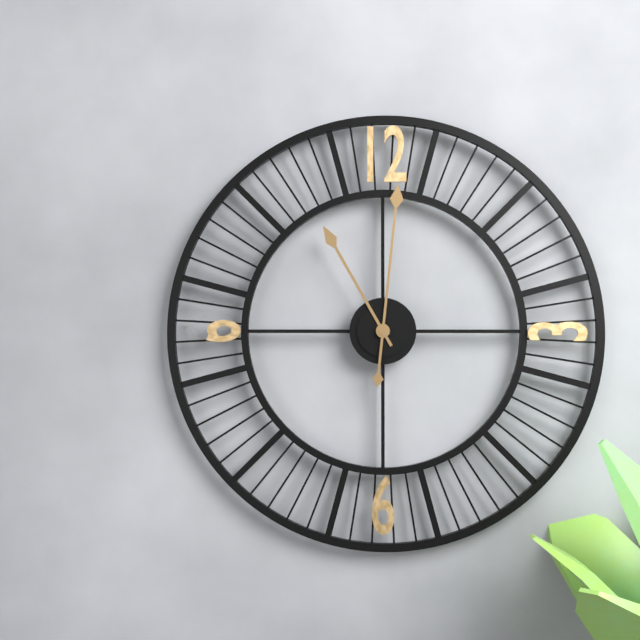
11:01
